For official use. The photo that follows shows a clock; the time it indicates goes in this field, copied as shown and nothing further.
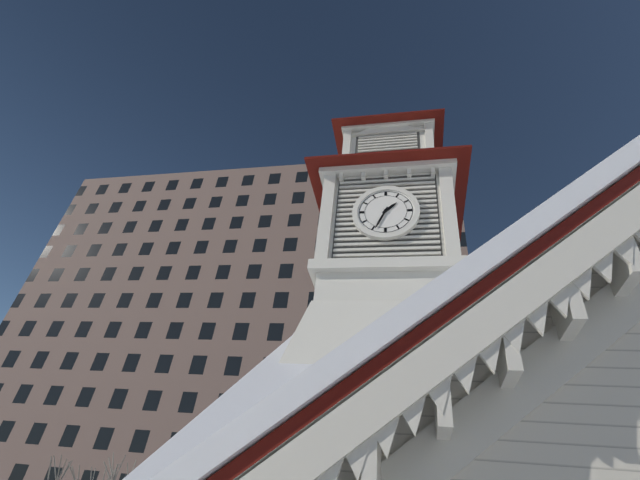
1:34
